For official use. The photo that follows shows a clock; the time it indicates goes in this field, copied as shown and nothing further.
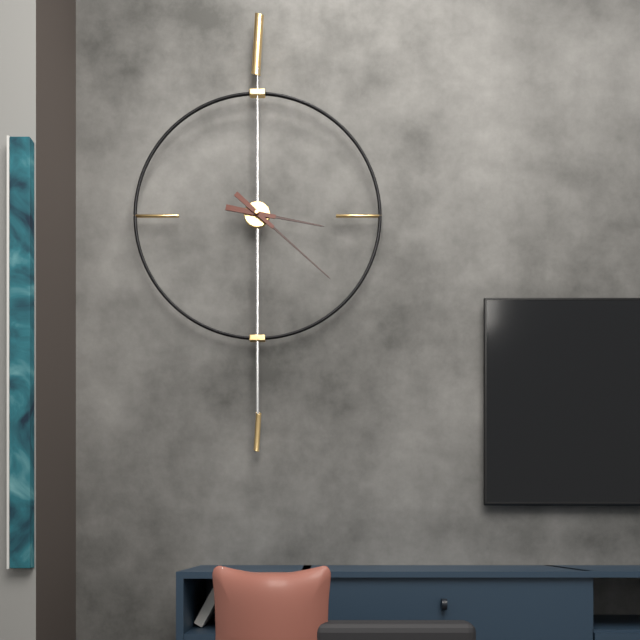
3:22
